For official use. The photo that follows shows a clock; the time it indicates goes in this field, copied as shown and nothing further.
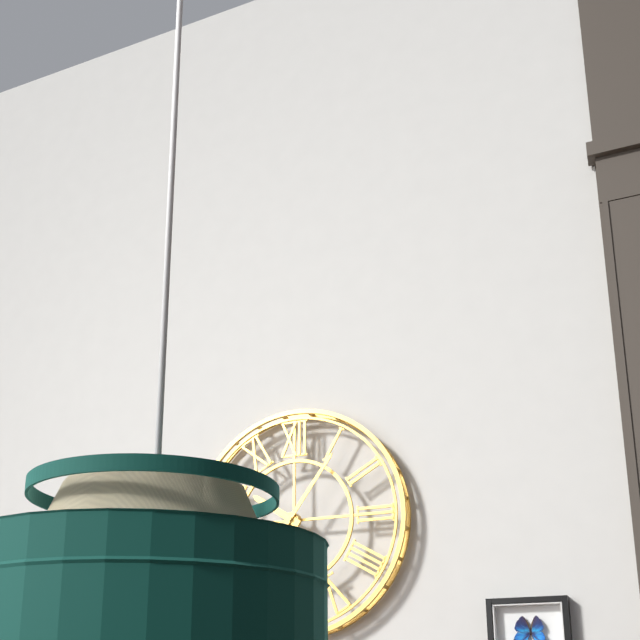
10:06
